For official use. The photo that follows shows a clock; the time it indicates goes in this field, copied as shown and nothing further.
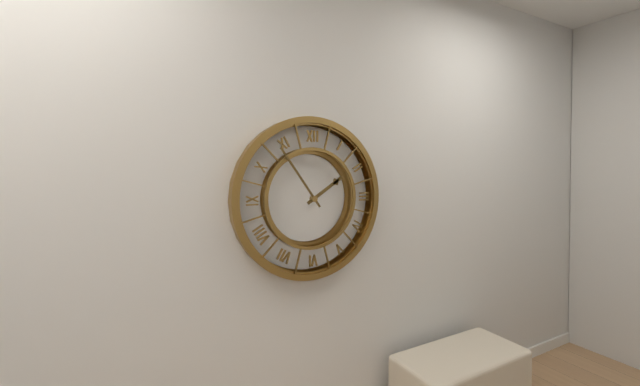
1:54
